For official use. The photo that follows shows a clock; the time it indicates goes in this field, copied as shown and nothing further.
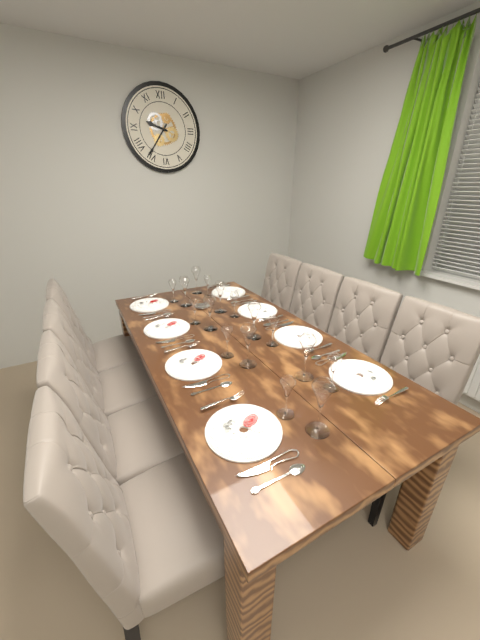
9:36
